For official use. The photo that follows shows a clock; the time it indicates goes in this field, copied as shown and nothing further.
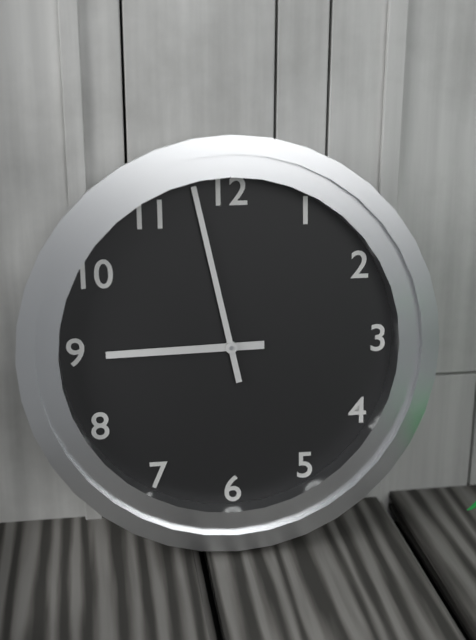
8:58
